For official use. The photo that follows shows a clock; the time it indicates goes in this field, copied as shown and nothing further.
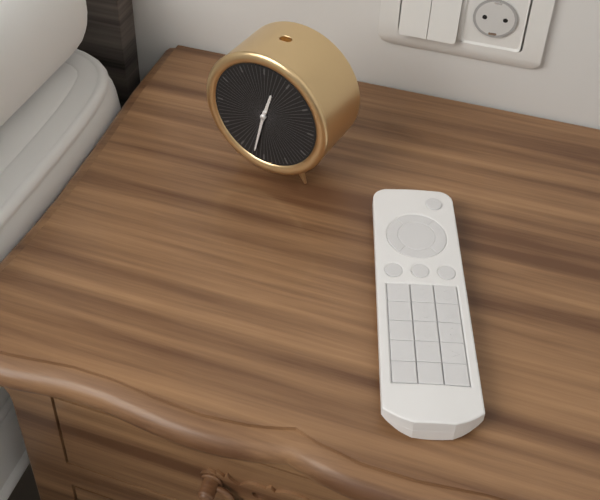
12:32
